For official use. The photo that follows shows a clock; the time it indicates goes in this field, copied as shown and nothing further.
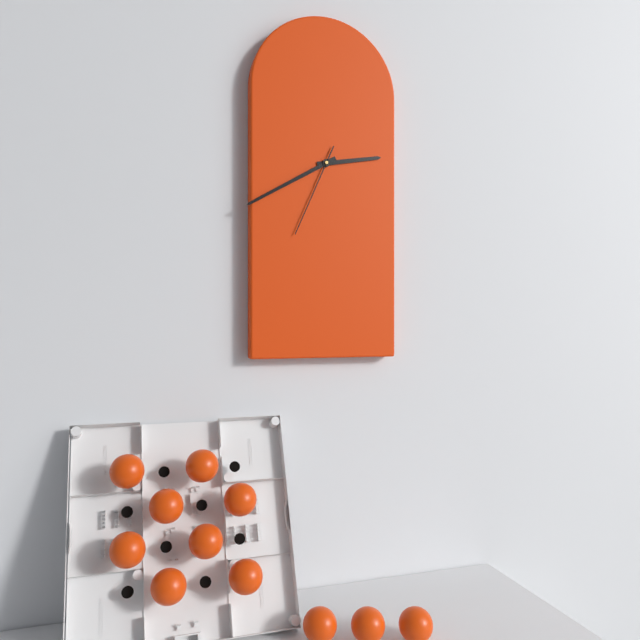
2:40:34
